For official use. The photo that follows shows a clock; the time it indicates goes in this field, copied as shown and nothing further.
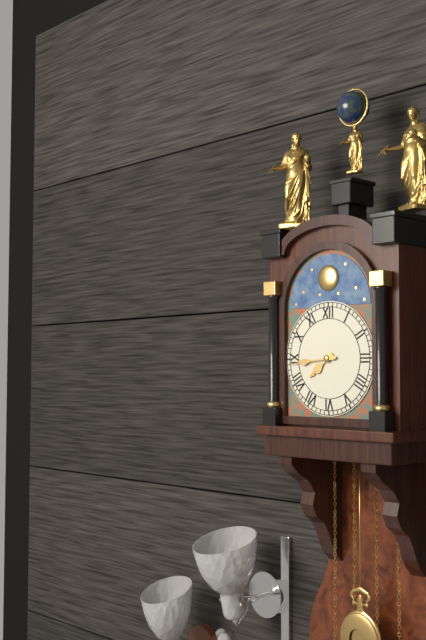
7:44
